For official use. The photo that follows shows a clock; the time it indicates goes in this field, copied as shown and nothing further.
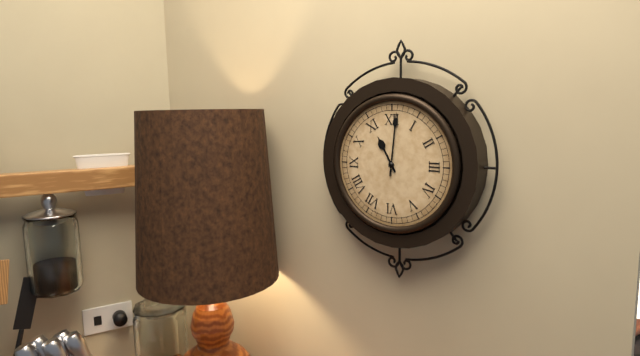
11:01
